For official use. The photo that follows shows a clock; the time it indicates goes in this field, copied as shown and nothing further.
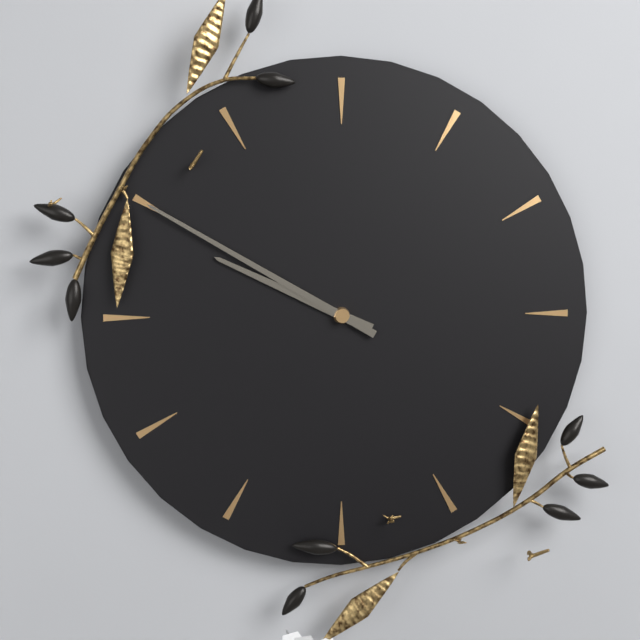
9:50
